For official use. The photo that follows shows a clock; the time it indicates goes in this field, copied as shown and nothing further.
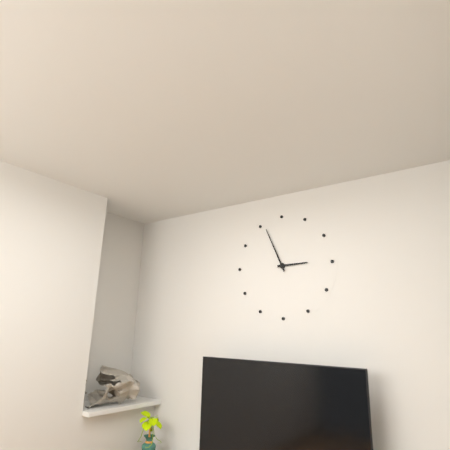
2:56
